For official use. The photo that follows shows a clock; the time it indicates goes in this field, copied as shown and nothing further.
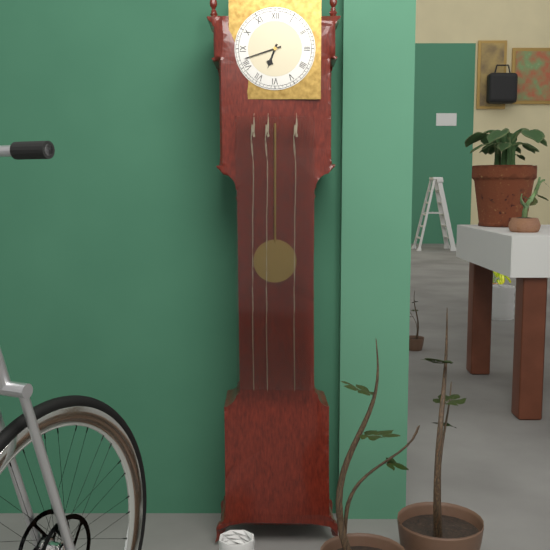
6:42
